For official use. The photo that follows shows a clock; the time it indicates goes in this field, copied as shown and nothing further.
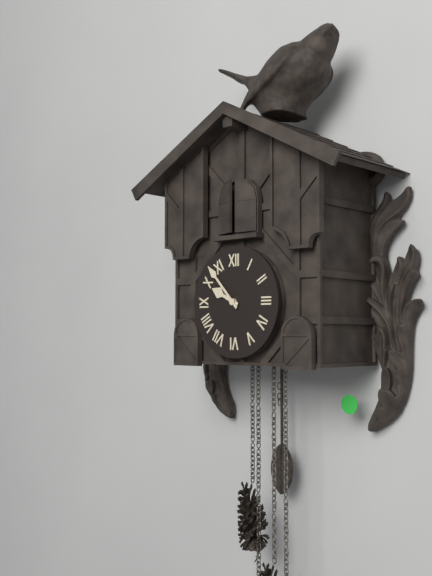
9:53
